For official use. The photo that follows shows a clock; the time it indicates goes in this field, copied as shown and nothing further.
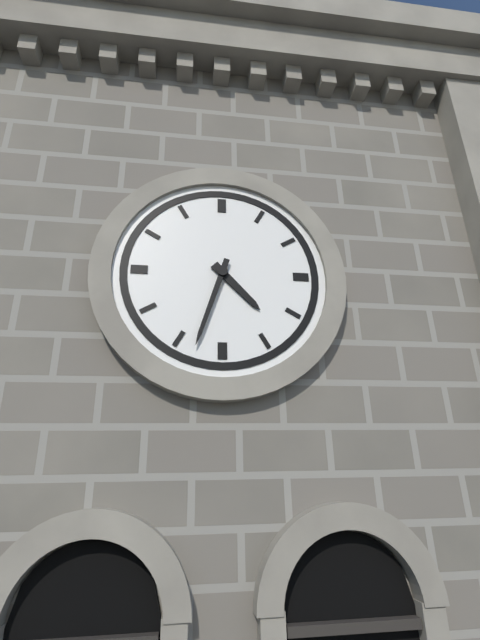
4:33
